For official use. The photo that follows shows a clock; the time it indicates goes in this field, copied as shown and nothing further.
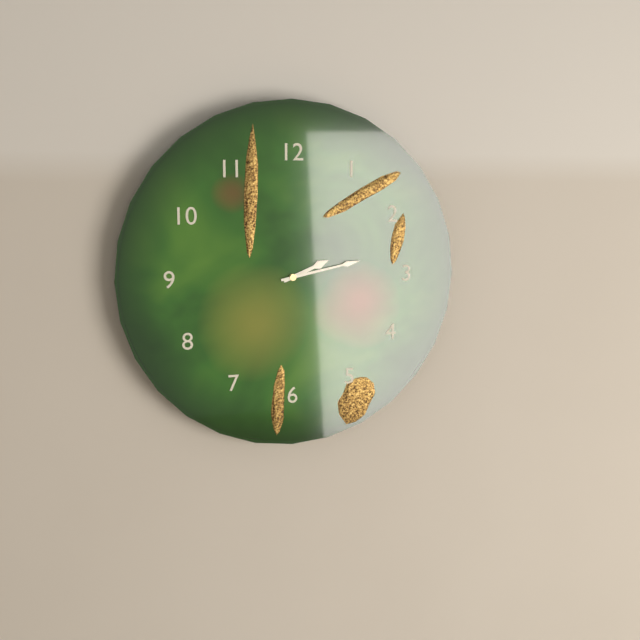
2:13
